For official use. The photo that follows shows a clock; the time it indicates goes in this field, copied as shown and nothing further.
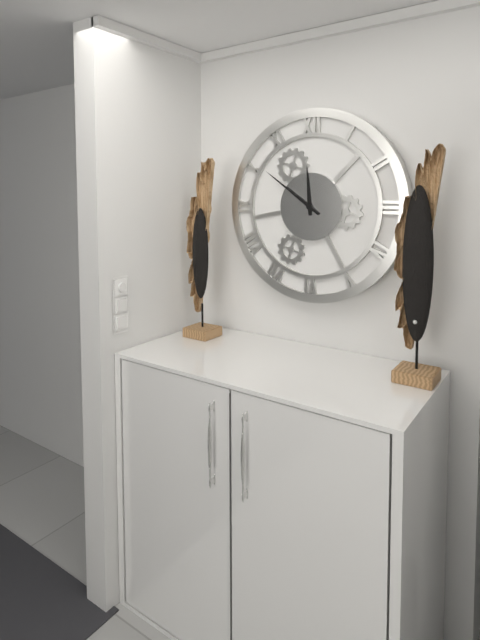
11:51
